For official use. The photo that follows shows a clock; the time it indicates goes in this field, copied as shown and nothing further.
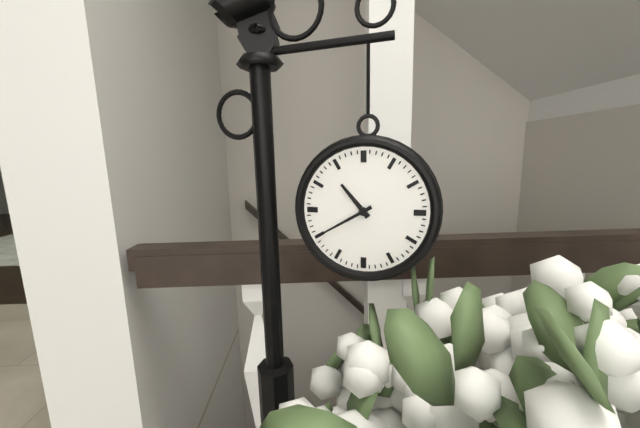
10:40
